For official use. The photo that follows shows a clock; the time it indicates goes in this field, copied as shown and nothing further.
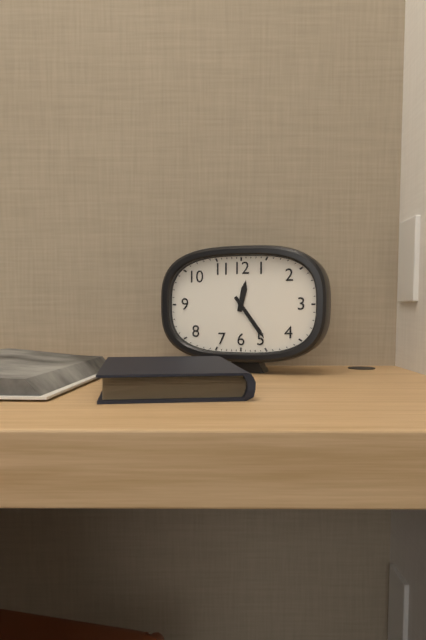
12:24
